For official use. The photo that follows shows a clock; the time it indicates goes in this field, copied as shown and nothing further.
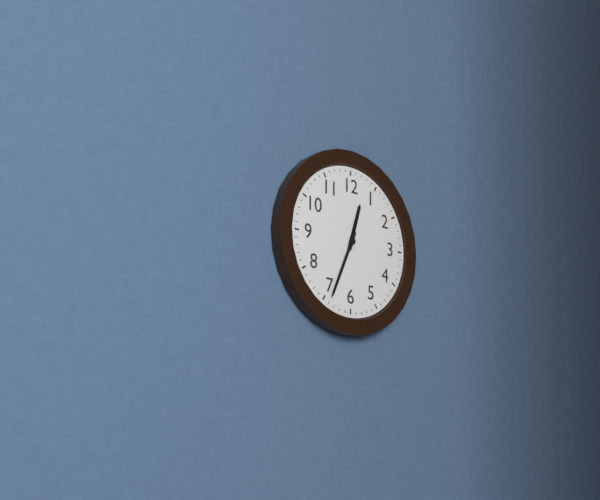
12:34
